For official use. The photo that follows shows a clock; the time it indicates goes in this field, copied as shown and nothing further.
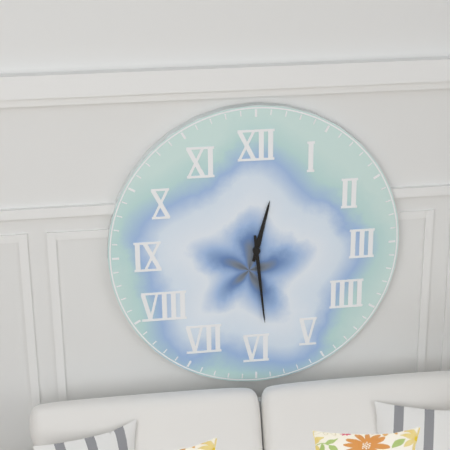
12:29
